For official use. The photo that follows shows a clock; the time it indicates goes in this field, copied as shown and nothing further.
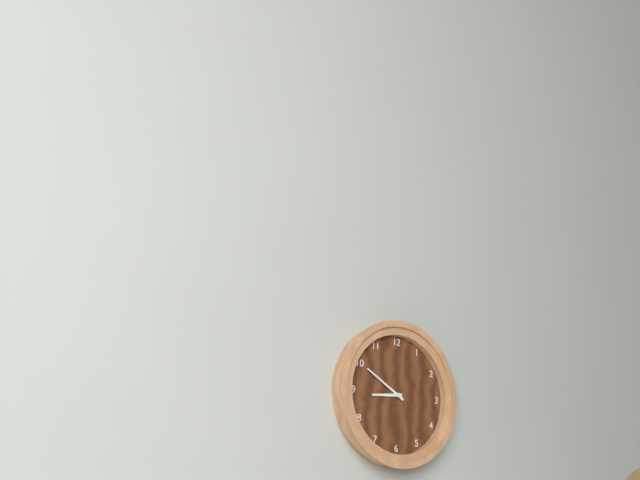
8:50
